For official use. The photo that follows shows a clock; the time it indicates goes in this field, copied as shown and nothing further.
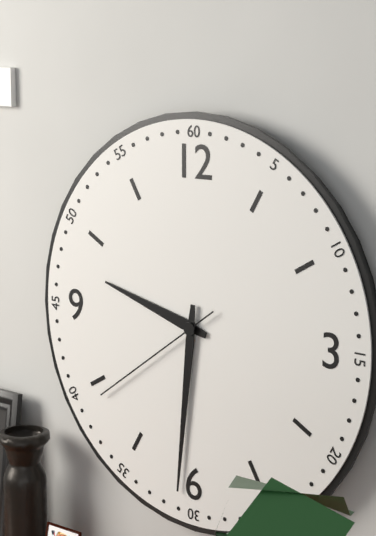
9:31:39
